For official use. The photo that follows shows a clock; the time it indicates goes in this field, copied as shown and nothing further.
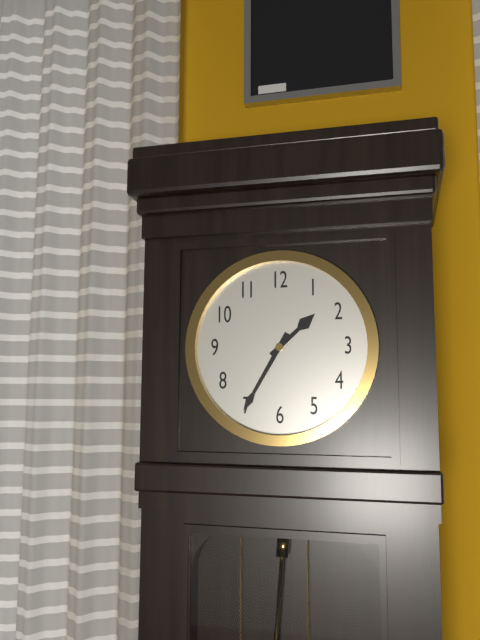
1:35
